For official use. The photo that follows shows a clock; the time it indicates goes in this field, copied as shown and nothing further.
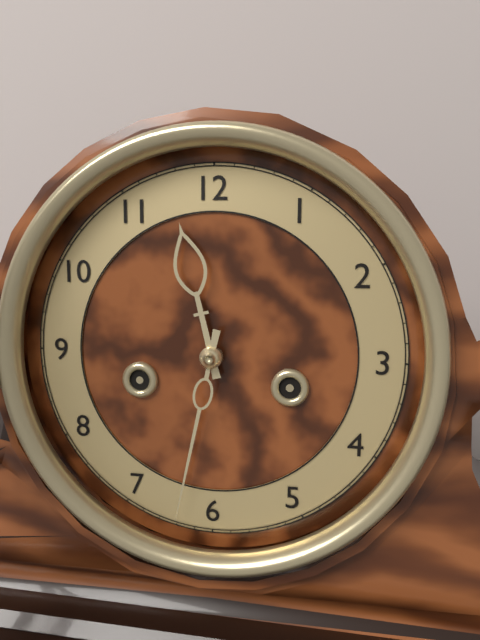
11:32
